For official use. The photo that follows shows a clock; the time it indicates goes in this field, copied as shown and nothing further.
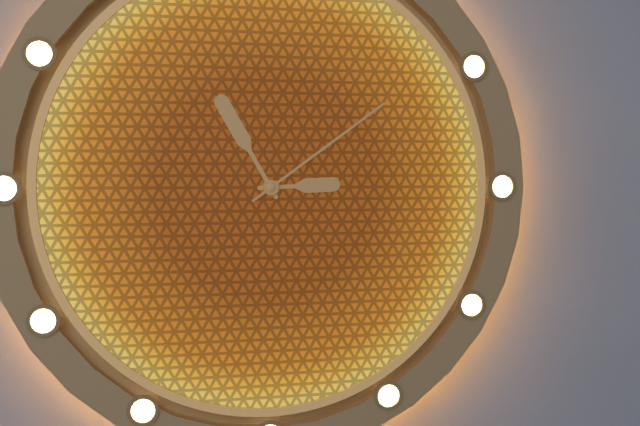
2:55:09
